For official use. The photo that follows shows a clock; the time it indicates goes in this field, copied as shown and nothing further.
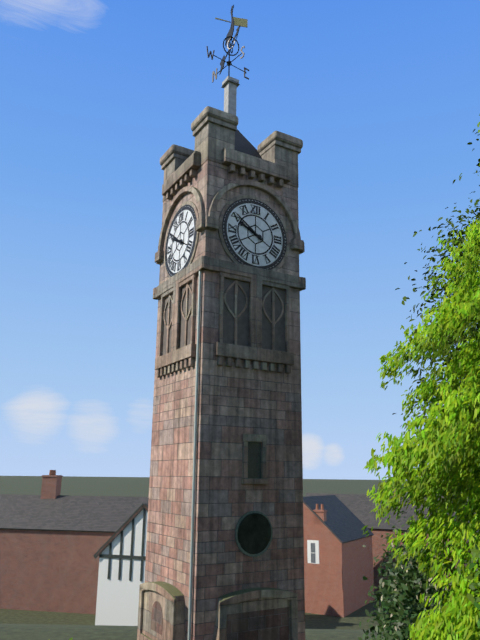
9:51
